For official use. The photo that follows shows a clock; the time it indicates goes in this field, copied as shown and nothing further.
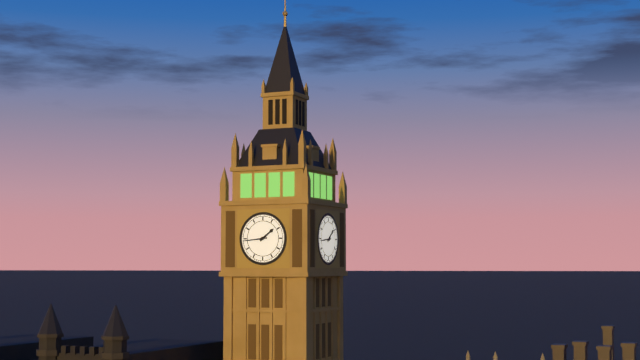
1:44
